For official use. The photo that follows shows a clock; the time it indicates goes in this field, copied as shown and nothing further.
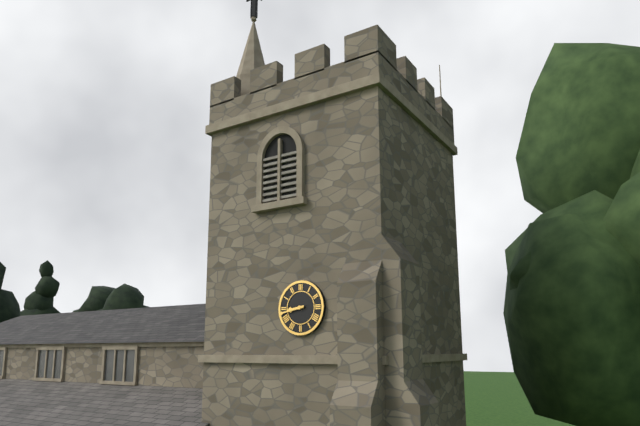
8:43
